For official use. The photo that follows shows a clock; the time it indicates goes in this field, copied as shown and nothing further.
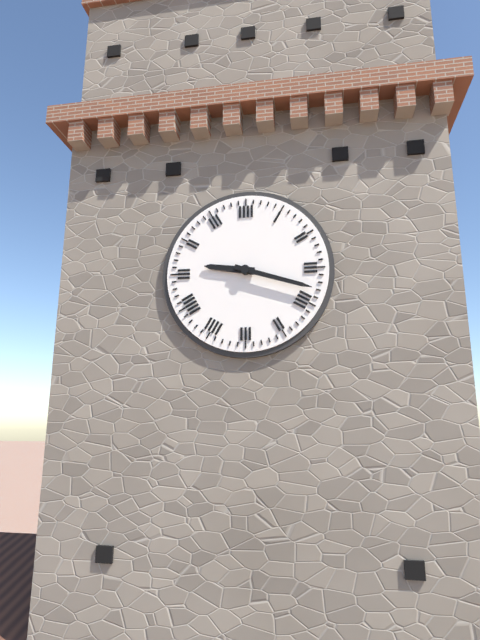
9:18
